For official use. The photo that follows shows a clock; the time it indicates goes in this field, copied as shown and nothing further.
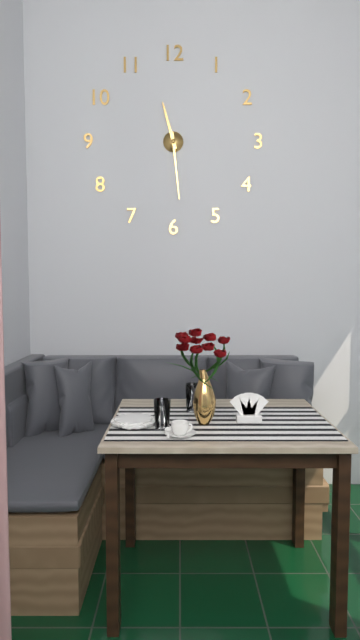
11:29
